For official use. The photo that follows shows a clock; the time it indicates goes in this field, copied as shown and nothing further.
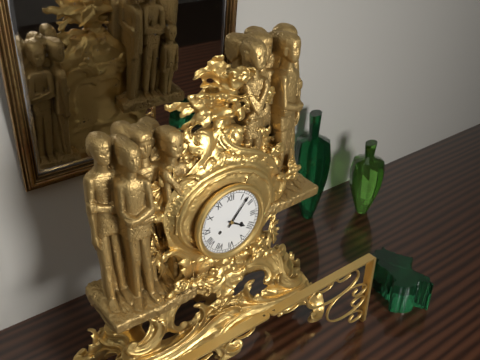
4:07
